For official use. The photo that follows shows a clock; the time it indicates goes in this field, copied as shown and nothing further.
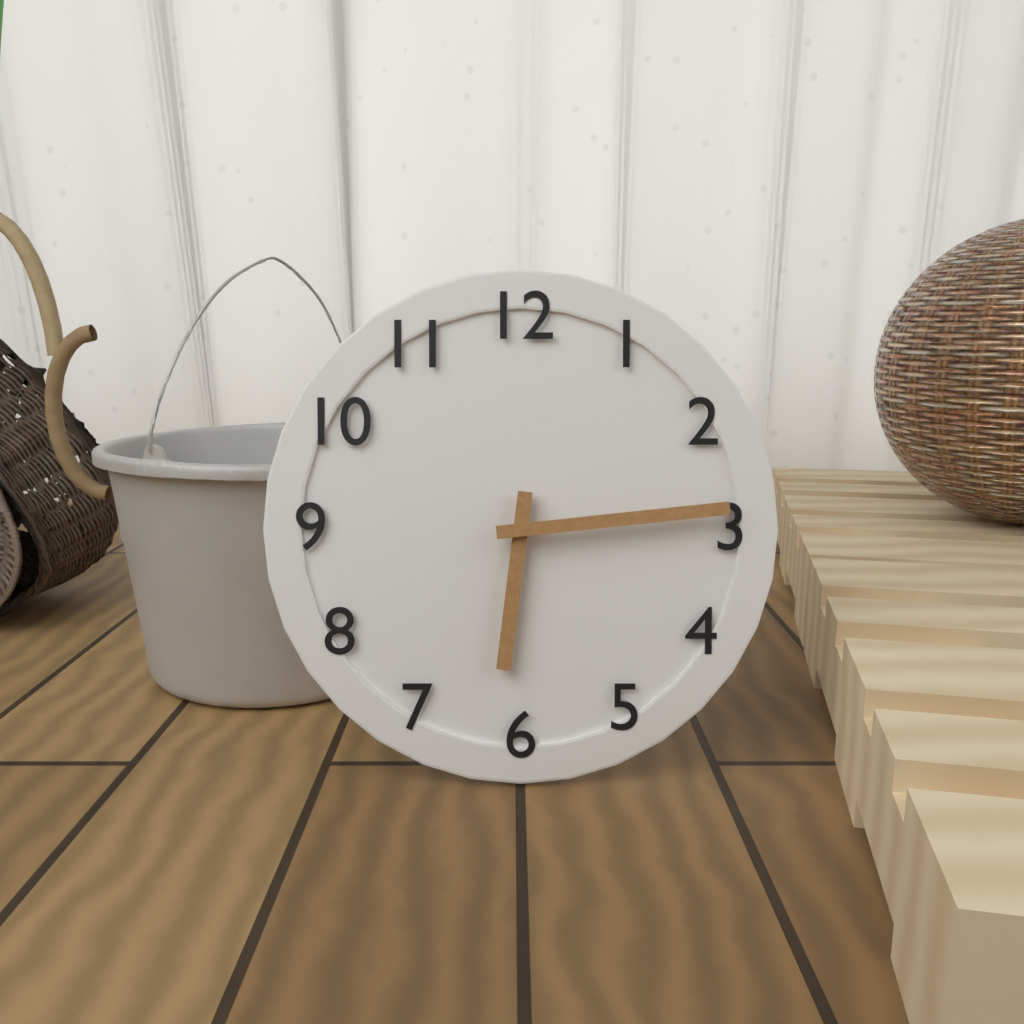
6:14
